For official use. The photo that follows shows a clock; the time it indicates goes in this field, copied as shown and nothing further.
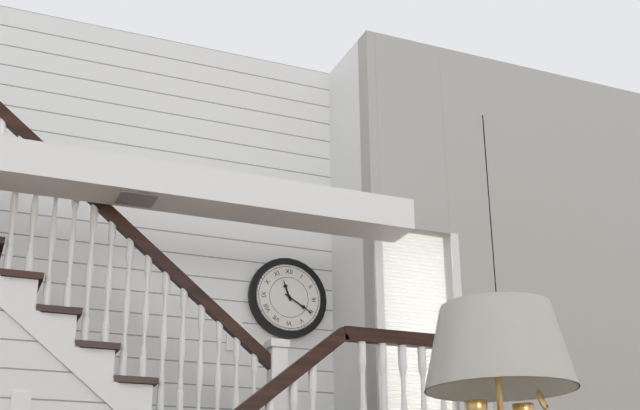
11:20
